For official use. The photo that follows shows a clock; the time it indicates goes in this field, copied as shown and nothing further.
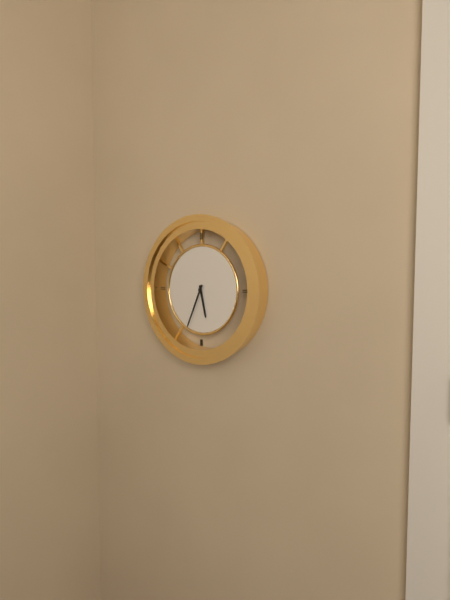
5:34
